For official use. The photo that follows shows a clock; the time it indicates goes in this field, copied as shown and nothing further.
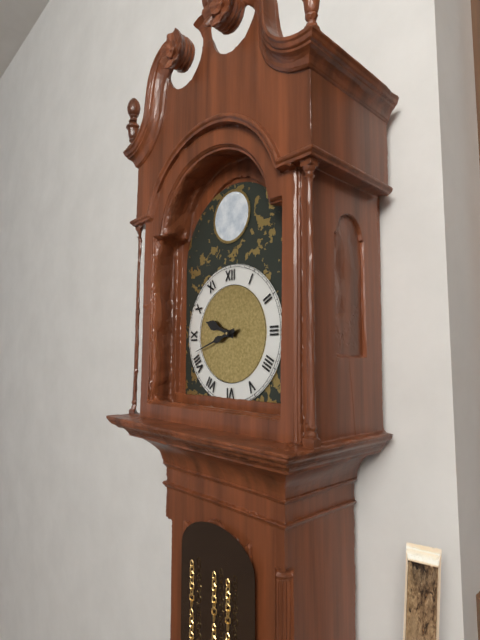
9:42
